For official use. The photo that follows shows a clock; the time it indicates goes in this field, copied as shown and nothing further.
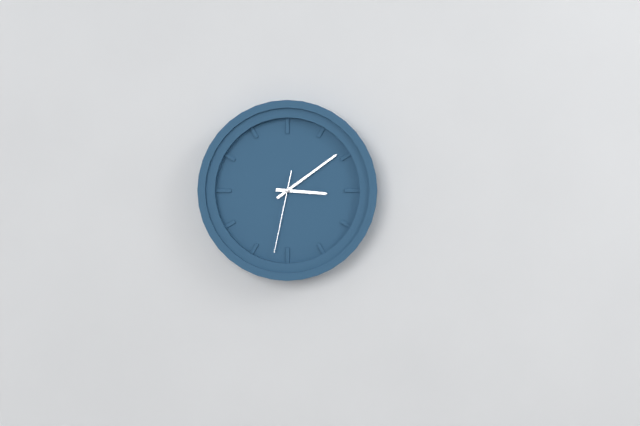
3:09:32
